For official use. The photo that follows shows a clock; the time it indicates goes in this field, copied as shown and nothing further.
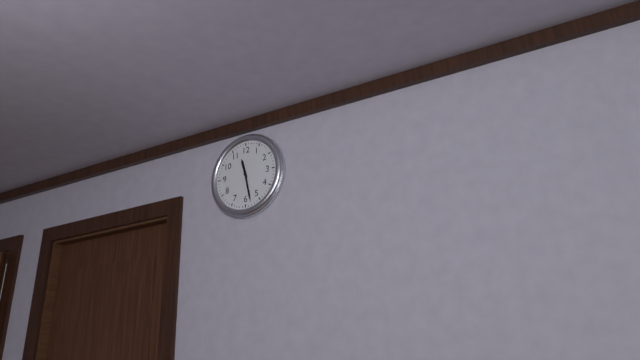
11:28
